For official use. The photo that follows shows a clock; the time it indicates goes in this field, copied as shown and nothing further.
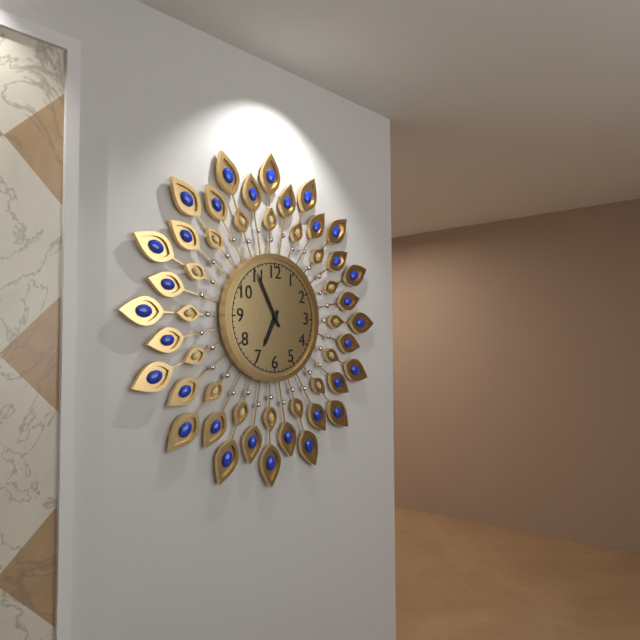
6:55
